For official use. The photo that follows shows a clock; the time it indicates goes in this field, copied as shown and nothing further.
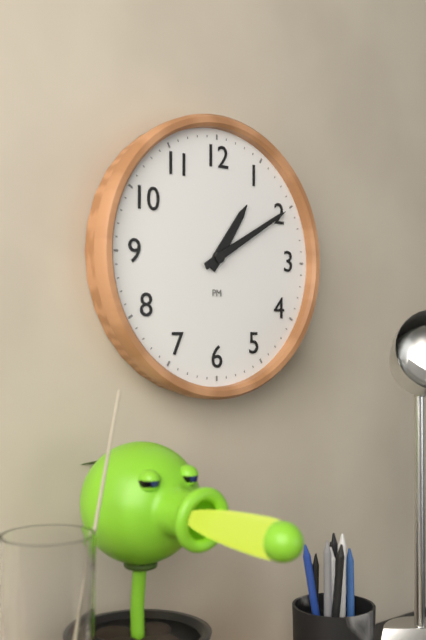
1:10
